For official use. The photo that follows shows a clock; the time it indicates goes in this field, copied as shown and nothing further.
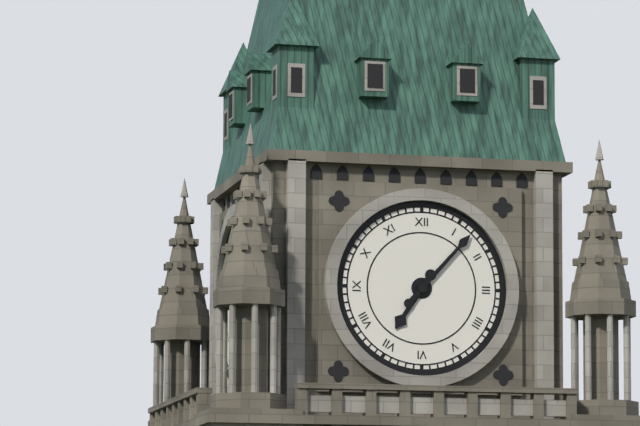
7:07
